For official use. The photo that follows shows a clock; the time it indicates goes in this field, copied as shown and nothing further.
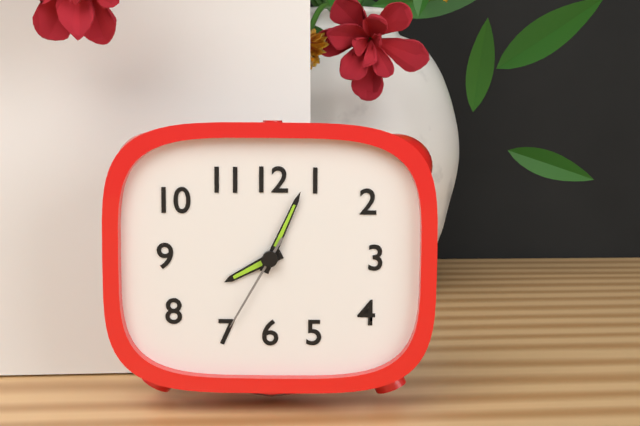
8:04:35
